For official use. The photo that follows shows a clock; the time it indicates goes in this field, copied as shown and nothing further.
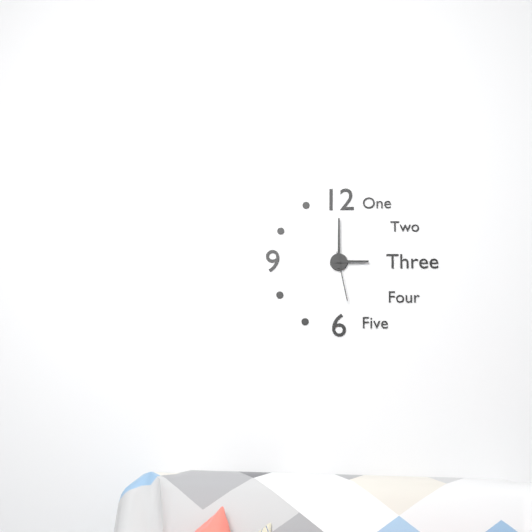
3:00:28
